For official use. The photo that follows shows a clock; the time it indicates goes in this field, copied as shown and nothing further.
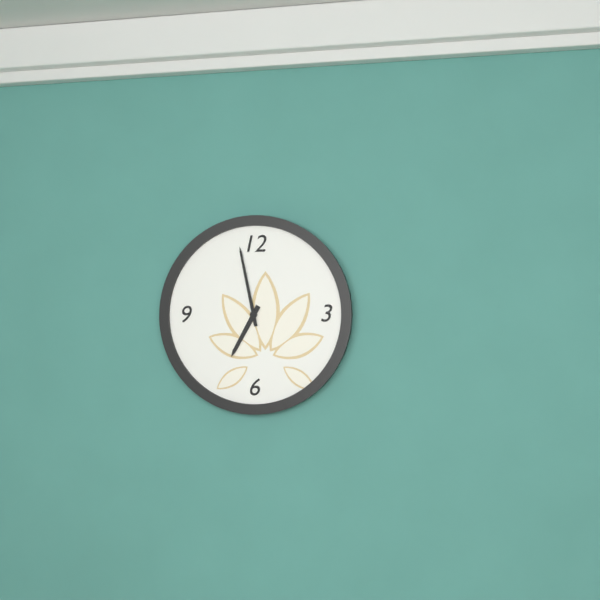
6:58
